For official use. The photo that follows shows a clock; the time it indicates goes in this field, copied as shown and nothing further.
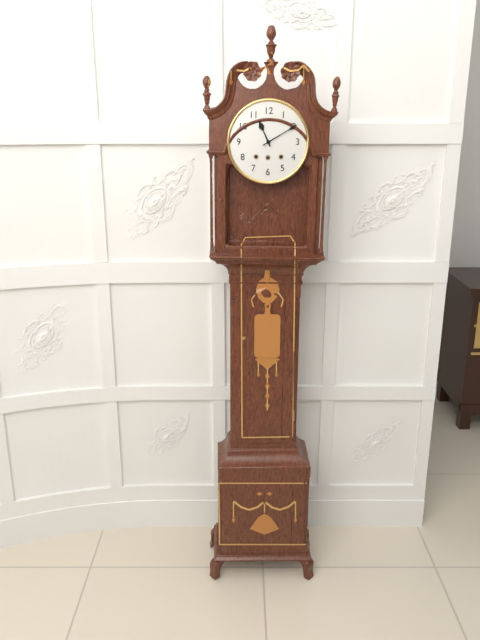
11:10
